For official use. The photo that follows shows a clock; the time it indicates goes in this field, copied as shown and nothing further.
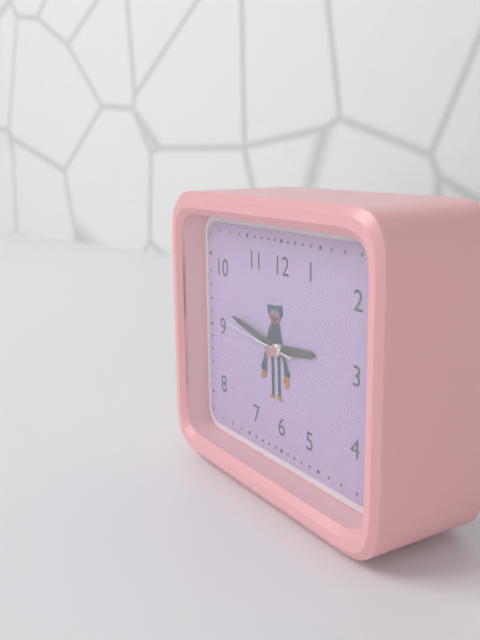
2:47:46
